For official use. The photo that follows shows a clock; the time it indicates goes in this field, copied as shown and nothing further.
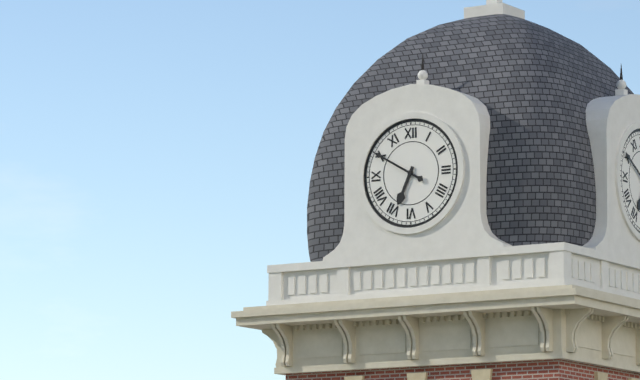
6:50
